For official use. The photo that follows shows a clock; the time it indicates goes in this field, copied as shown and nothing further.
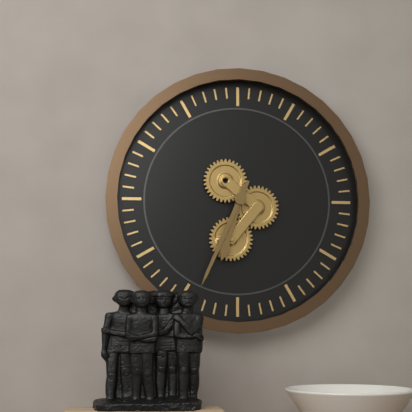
6:34
